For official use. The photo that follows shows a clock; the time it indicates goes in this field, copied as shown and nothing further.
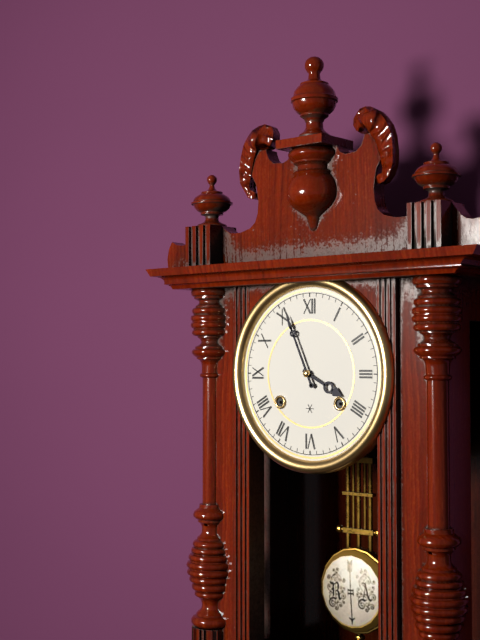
3:56
